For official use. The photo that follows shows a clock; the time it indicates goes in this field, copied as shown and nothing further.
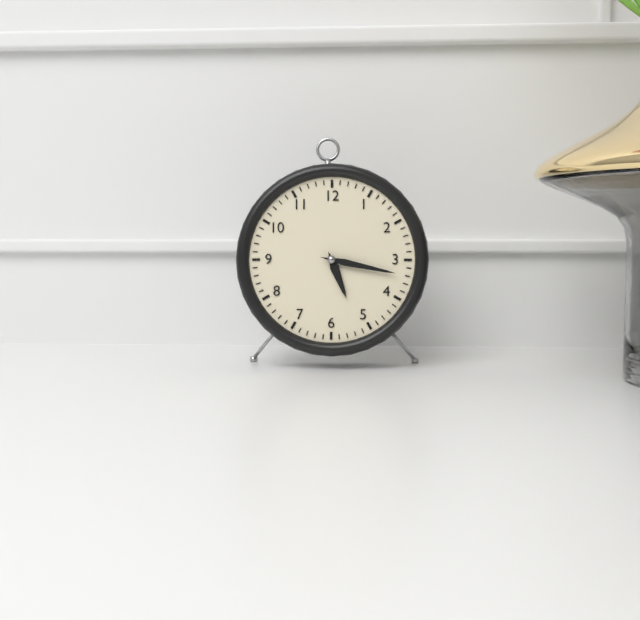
5:17
